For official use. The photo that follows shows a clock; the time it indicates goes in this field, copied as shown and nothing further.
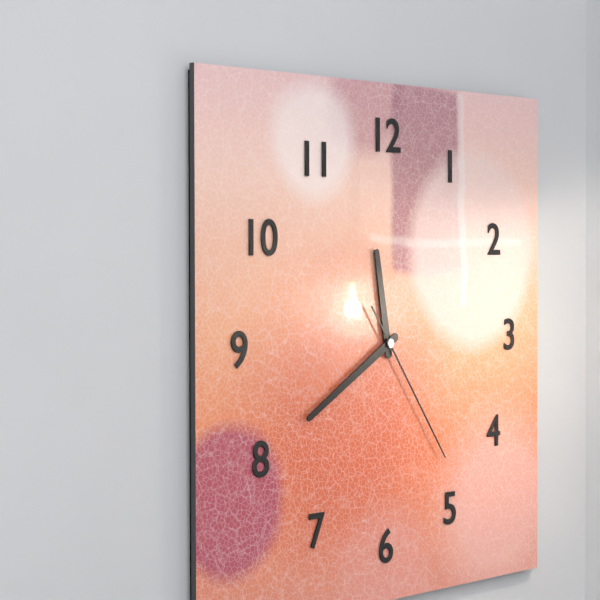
11:40:24
